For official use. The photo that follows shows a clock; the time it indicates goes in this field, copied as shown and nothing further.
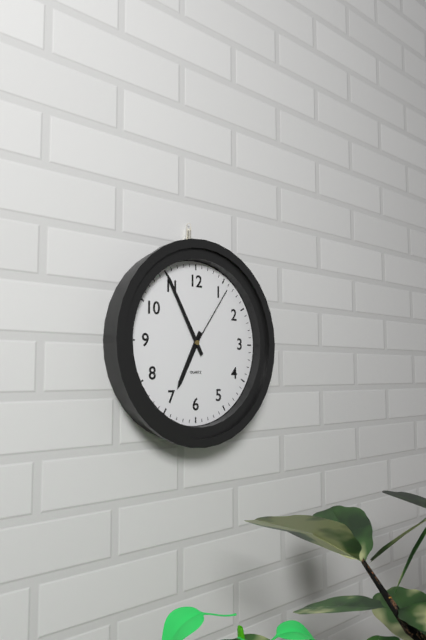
6:55:06
